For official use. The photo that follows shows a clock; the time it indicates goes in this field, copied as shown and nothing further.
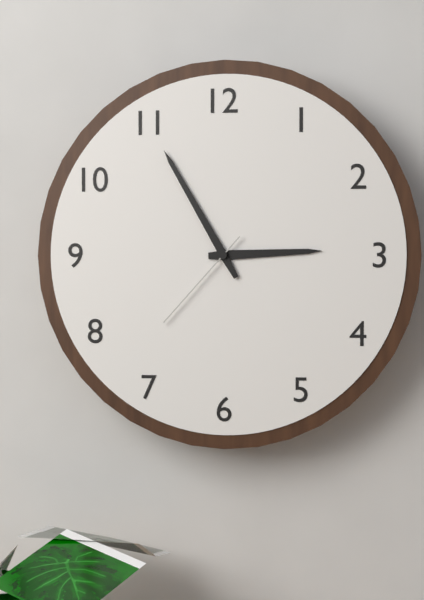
2:55:37
